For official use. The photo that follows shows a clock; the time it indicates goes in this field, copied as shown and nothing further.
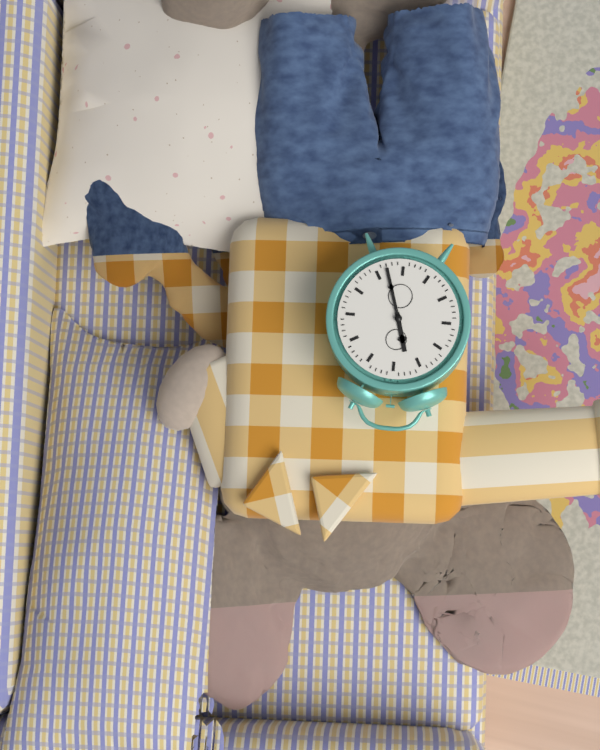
11:27
